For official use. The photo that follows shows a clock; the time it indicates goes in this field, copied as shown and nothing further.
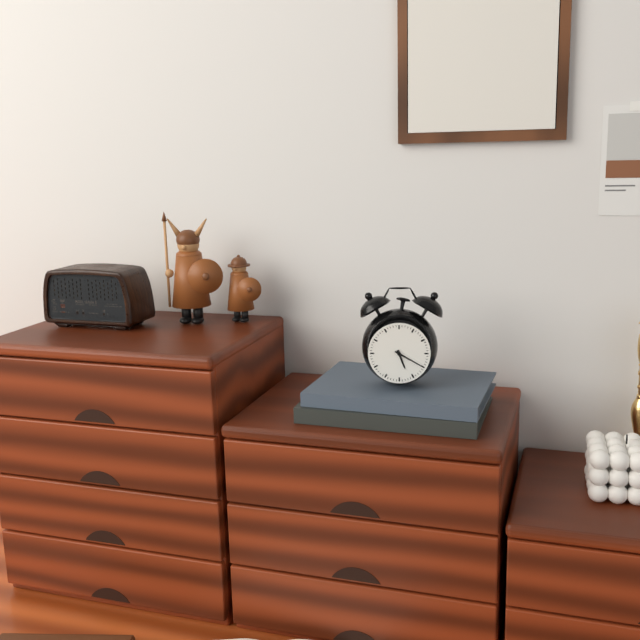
5:20
